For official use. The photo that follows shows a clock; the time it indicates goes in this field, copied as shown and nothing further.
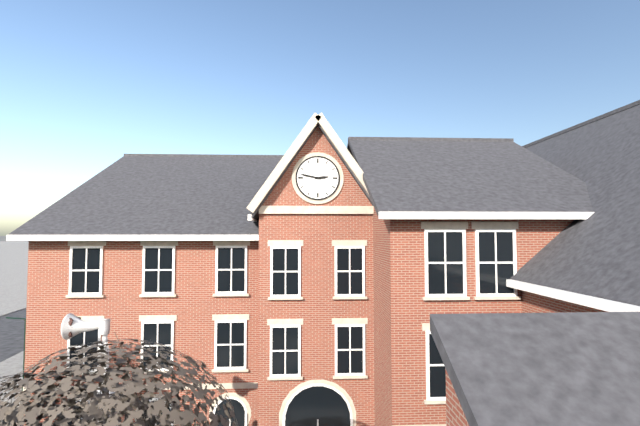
2:47
